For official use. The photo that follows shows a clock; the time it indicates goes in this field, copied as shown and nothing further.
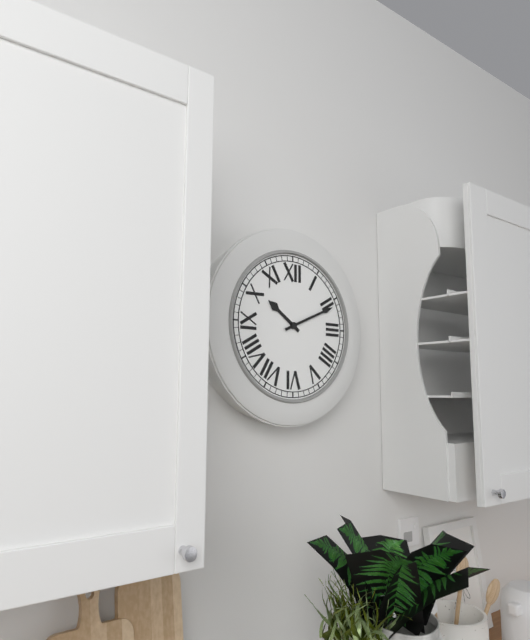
10:11
